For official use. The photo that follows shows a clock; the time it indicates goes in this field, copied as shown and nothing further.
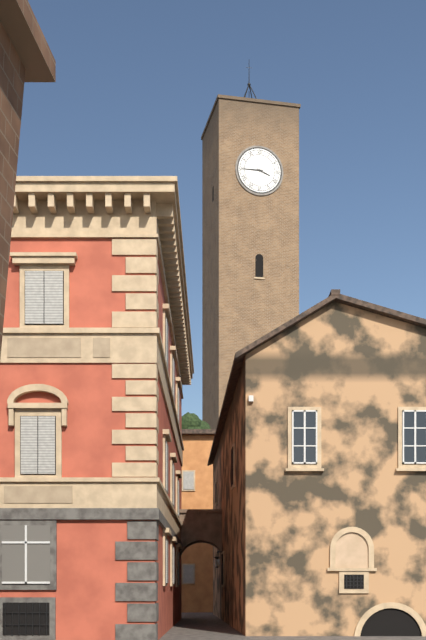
3:45
